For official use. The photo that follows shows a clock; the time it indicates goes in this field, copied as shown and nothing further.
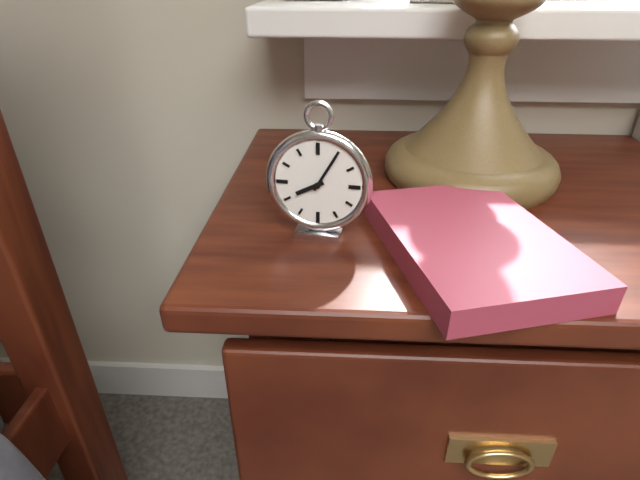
8:05
